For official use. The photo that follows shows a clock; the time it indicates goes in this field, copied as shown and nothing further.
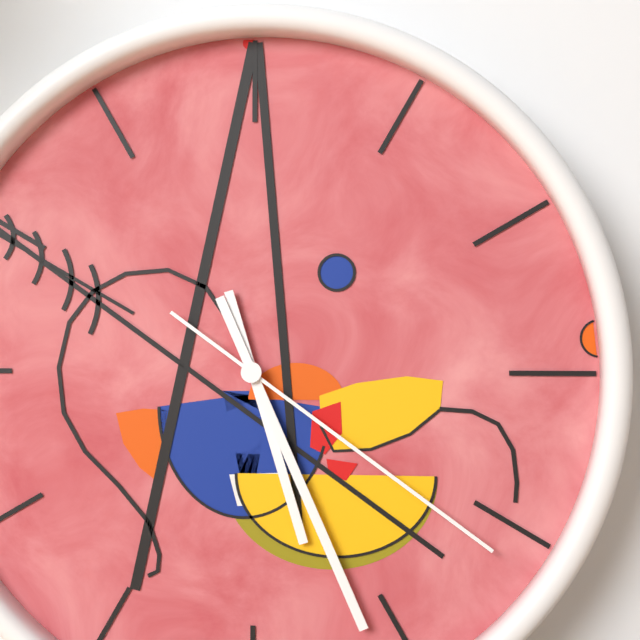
5:26:21
